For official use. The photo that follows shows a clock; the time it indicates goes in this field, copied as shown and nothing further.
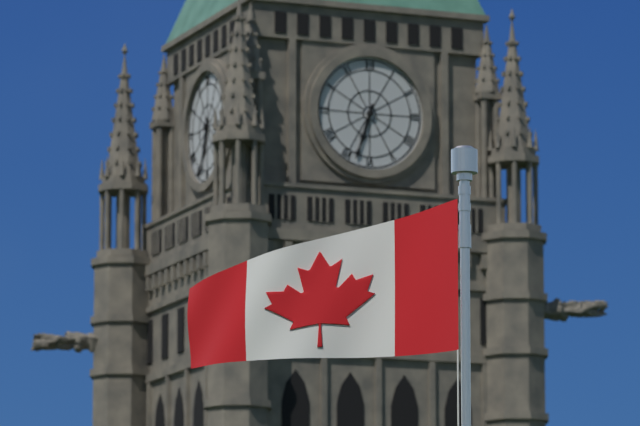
6:33
